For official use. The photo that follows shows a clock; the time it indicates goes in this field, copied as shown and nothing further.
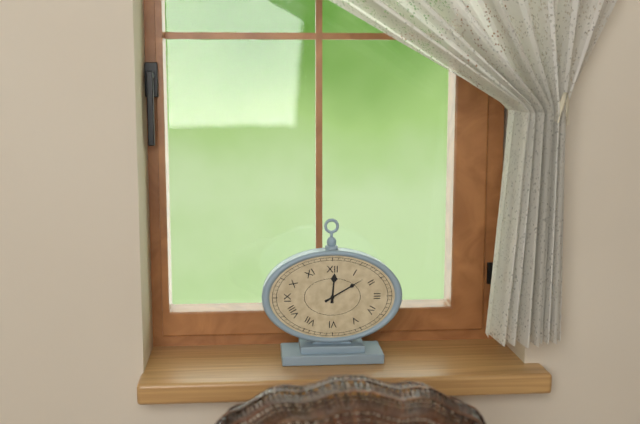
12:10
